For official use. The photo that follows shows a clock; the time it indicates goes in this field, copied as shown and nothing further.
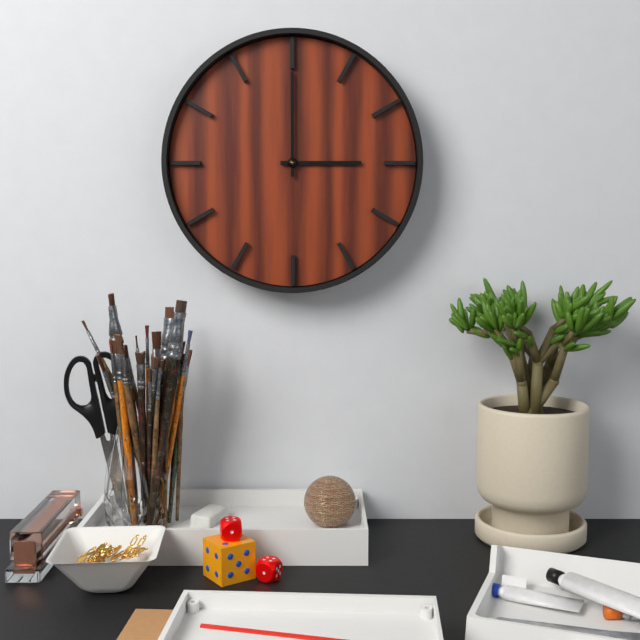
3:00
